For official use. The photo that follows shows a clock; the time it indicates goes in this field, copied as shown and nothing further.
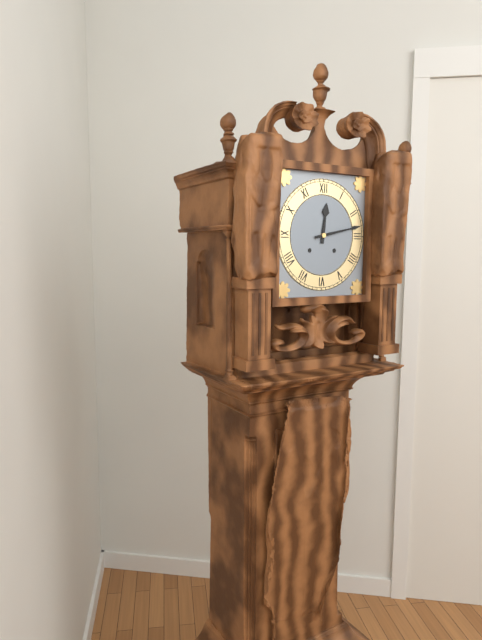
12:13
